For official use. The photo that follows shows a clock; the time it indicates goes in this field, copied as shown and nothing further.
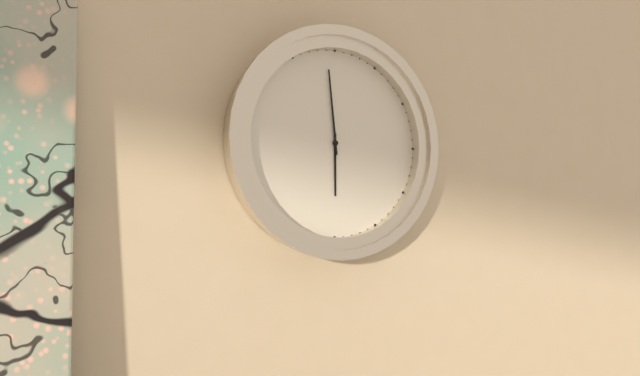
5:59
